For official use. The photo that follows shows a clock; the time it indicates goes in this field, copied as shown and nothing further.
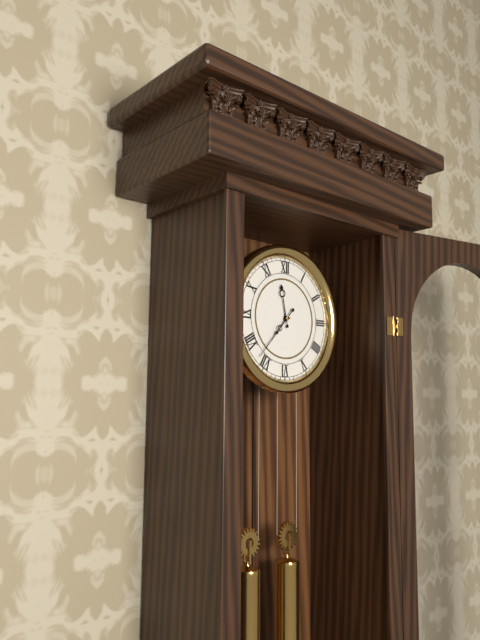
11:37
